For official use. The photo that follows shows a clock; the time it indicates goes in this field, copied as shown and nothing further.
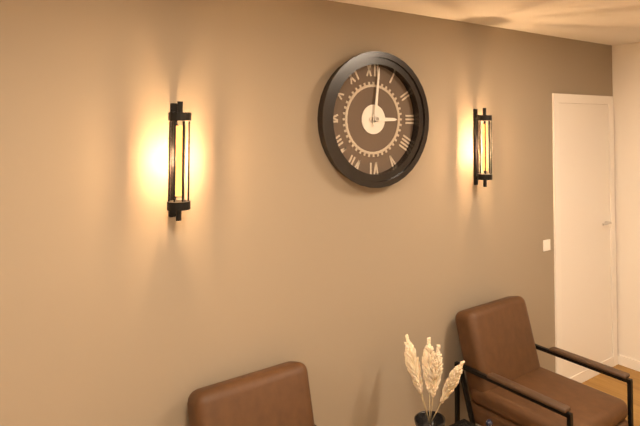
3:01
